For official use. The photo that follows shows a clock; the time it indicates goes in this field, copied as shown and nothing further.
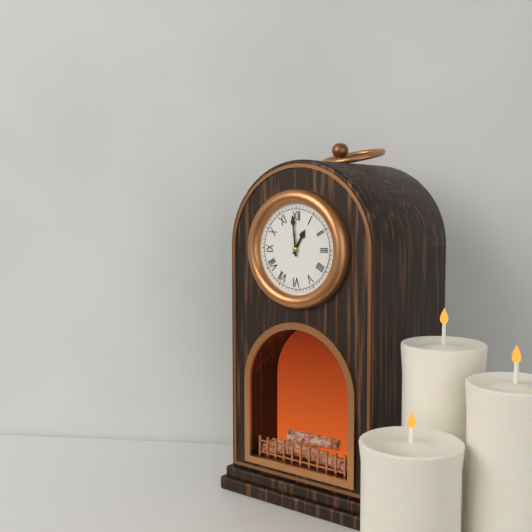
12:59
